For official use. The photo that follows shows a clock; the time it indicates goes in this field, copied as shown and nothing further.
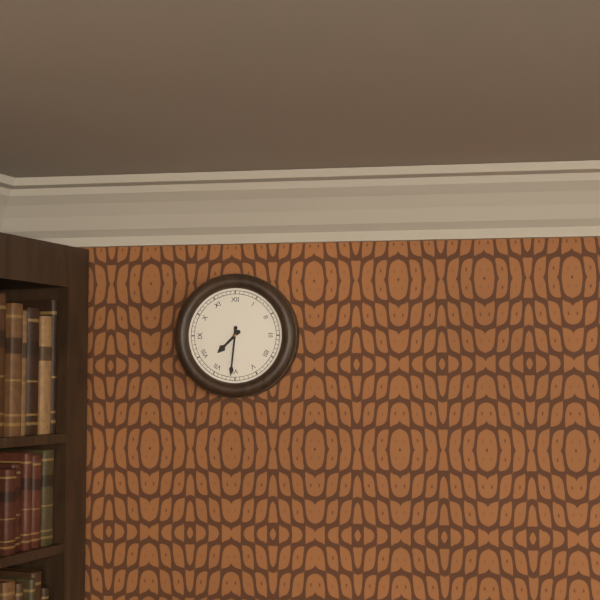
7:31
